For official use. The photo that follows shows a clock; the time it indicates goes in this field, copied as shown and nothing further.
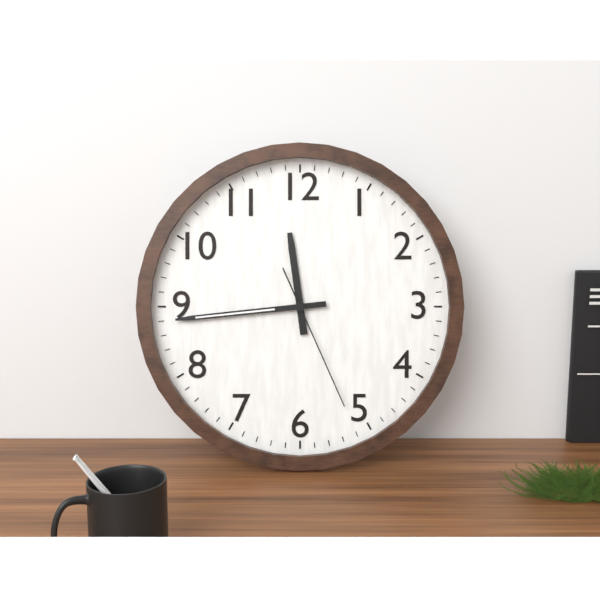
11:44:26
